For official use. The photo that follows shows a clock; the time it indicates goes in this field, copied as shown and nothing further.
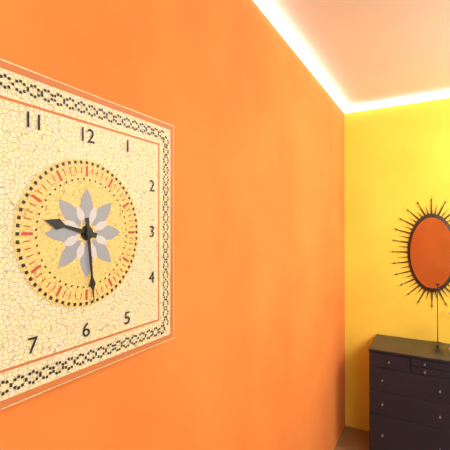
9:29
